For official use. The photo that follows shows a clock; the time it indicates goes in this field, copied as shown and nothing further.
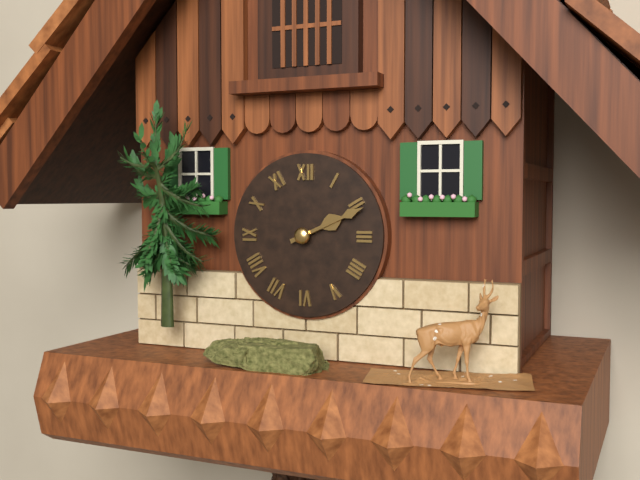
2:11
